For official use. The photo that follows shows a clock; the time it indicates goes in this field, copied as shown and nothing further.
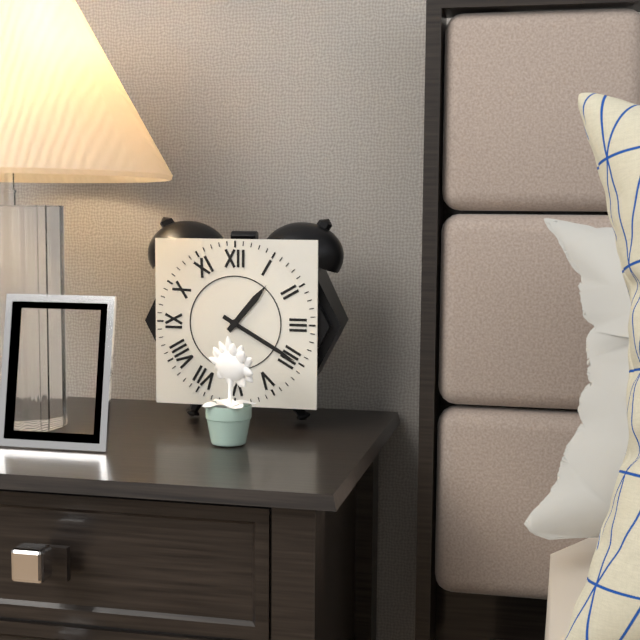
1:20
